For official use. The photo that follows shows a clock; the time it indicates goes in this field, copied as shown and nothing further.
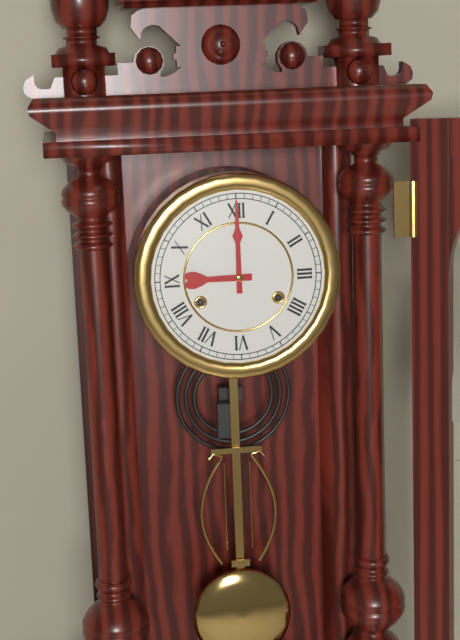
9:00
